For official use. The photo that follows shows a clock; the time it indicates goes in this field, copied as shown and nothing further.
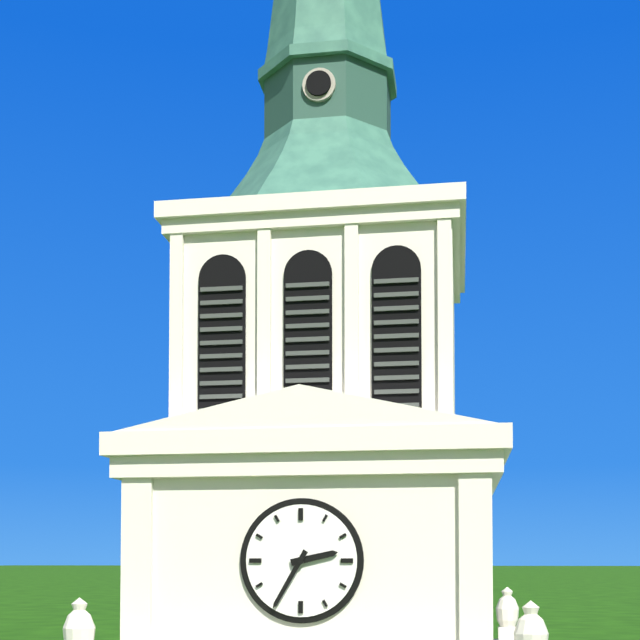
2:35
